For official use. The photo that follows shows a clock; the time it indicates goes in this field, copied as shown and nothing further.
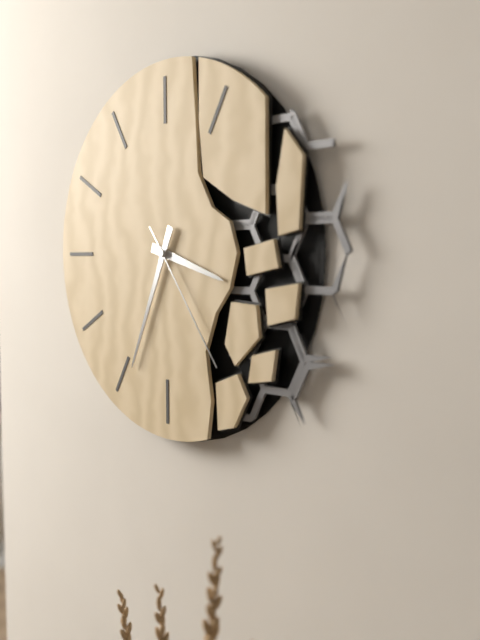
3:34:24
